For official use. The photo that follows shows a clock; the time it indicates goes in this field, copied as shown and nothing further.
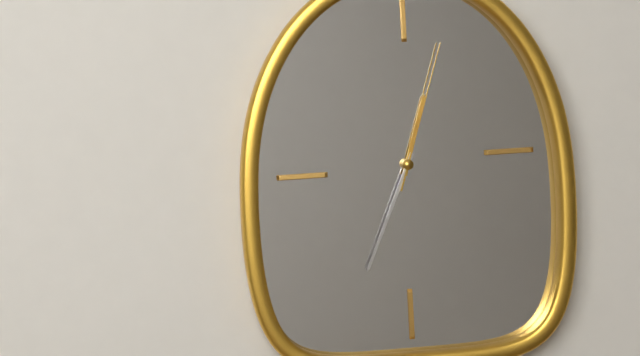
12:34:03
